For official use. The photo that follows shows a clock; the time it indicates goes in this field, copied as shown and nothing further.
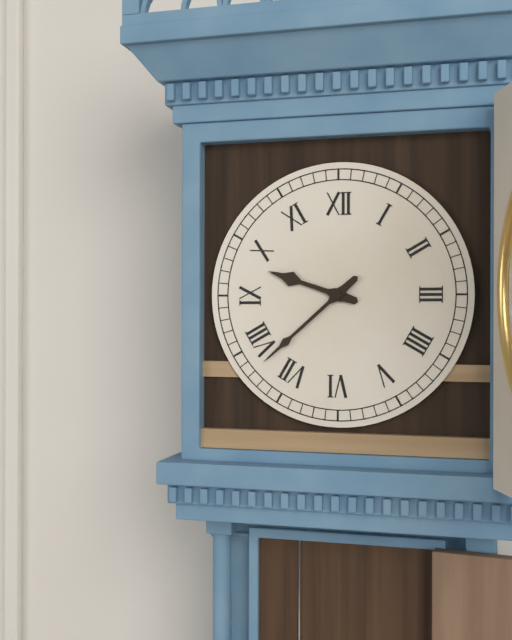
9:38
